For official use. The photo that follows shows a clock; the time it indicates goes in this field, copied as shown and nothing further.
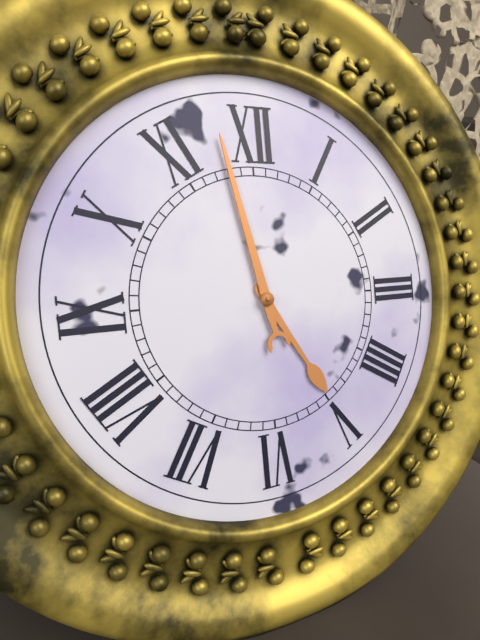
4:58
